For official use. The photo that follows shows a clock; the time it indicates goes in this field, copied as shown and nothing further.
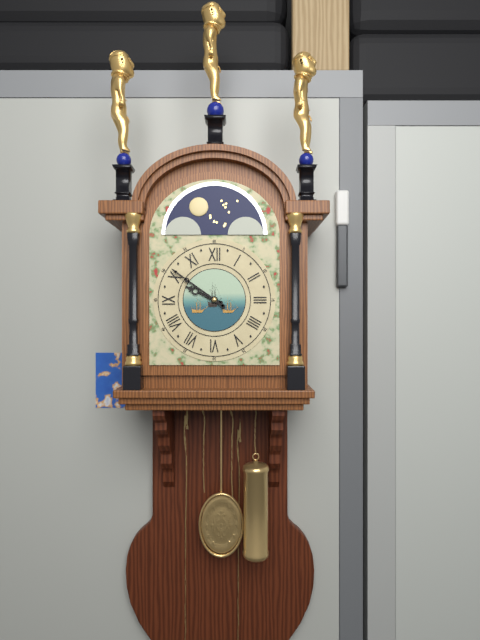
9:51
